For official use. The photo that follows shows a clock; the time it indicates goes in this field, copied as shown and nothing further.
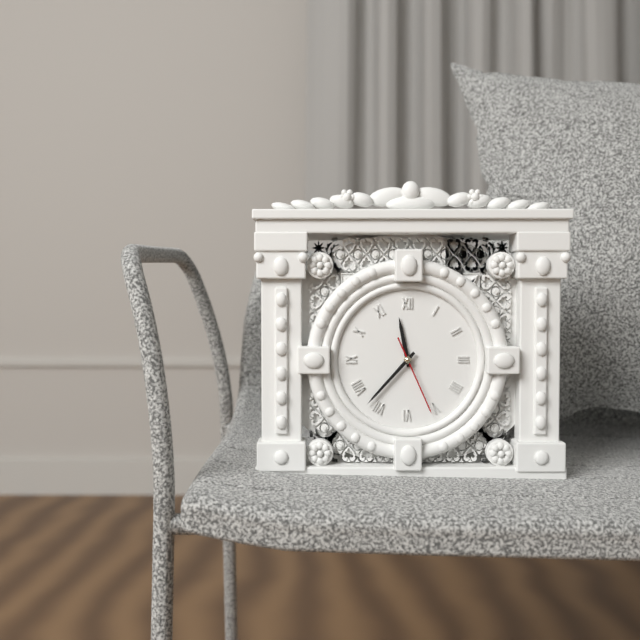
11:37:26
